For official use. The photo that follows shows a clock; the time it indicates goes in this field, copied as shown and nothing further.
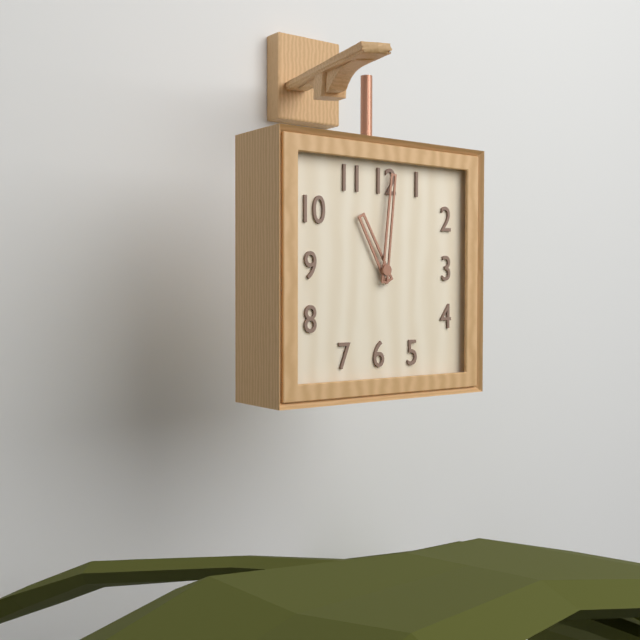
11:01
